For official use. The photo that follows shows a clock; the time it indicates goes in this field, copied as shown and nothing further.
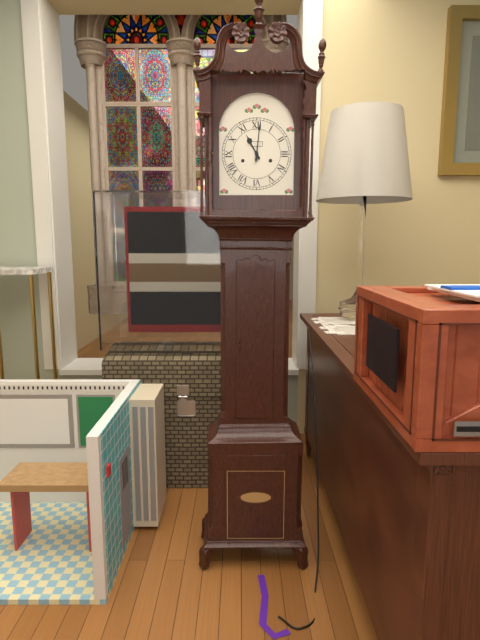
11:01
